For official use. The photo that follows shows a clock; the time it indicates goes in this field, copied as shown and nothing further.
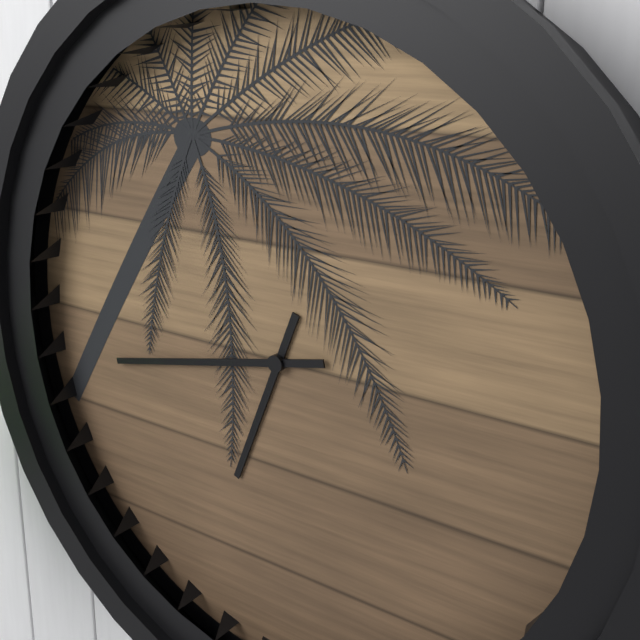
6:43
